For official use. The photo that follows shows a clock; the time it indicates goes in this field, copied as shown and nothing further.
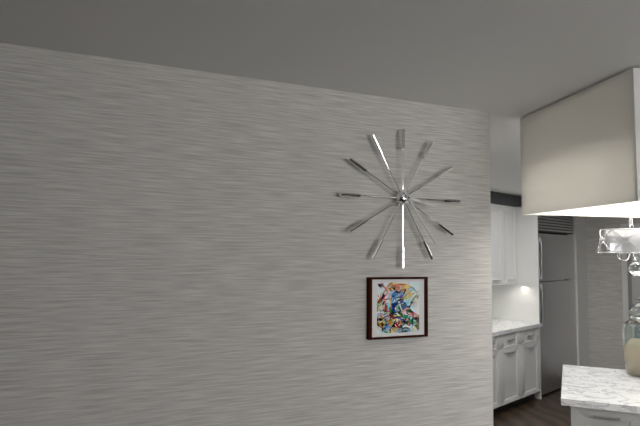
3:24
